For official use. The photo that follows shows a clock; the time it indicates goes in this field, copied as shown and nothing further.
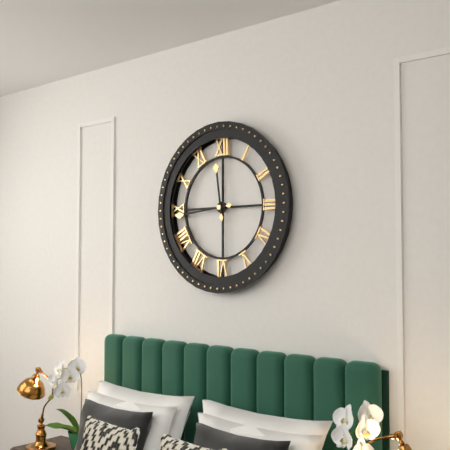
11:44
